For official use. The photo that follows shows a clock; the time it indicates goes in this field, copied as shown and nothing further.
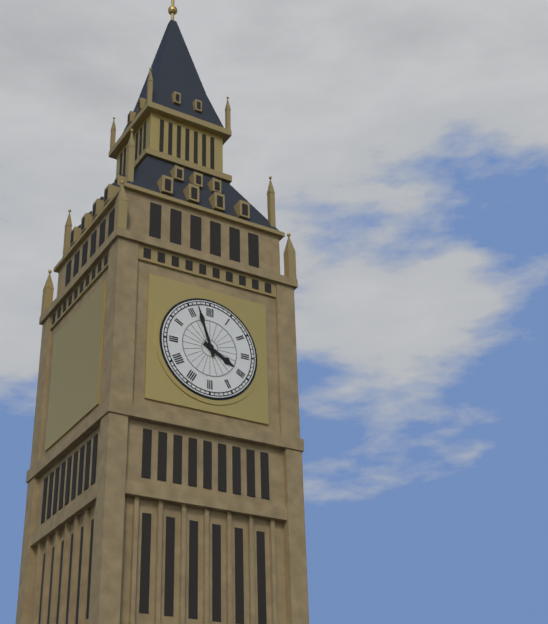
3:57
